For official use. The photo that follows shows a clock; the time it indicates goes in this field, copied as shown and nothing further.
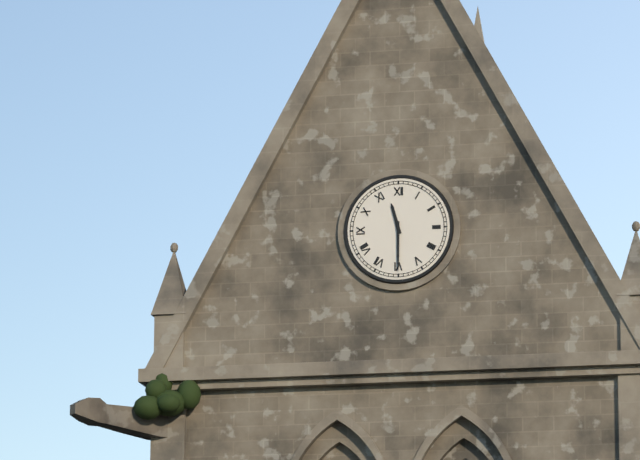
11:30
